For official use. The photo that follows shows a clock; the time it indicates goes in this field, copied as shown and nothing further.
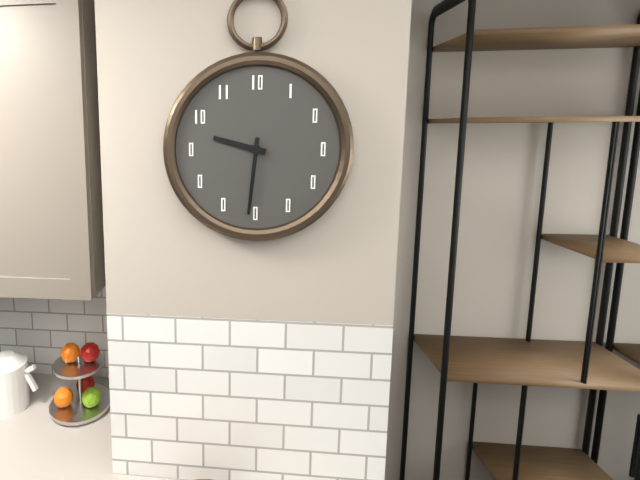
9:31
